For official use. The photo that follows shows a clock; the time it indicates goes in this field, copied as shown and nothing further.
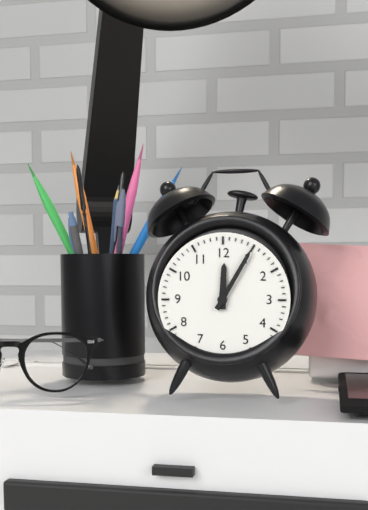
12:05
